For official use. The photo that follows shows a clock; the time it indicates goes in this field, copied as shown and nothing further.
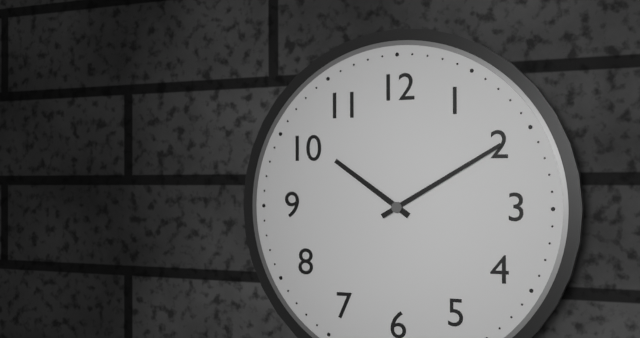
10:10
